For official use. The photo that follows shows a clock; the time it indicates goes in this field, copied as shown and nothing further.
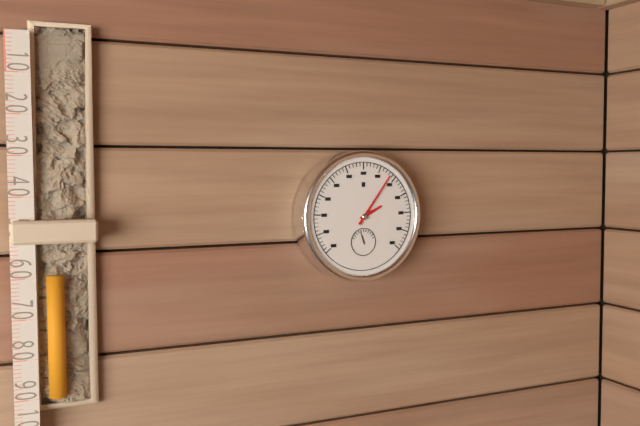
2:06
